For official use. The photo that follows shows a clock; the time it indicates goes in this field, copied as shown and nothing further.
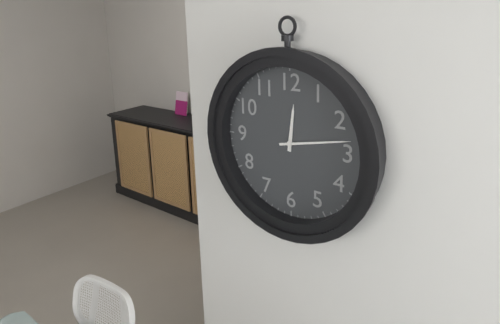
12:13
